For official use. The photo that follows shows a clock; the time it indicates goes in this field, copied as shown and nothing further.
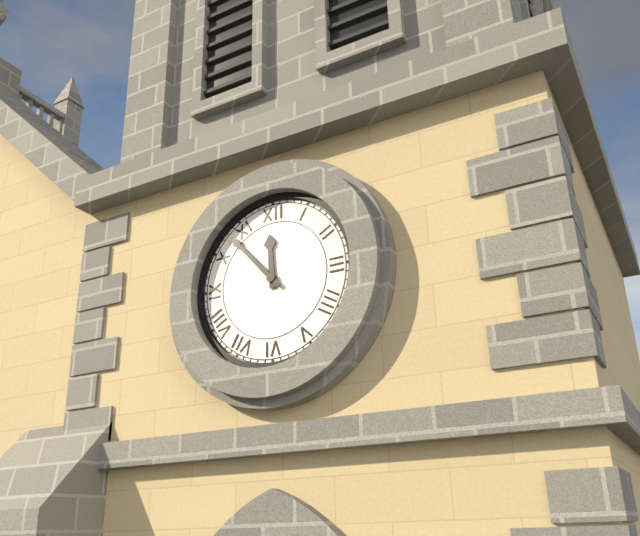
11:53
